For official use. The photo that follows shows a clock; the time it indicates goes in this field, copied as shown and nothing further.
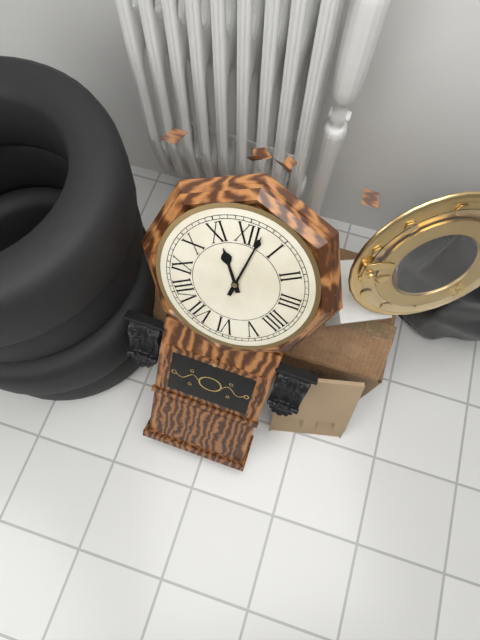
11:02
